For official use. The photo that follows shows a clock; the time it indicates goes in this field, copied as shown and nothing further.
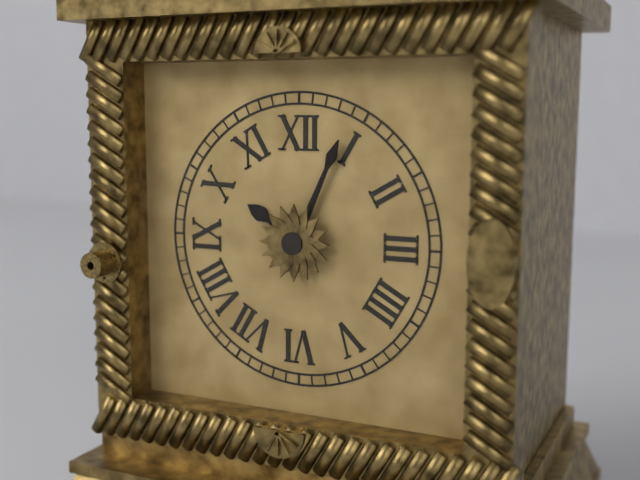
10:04
